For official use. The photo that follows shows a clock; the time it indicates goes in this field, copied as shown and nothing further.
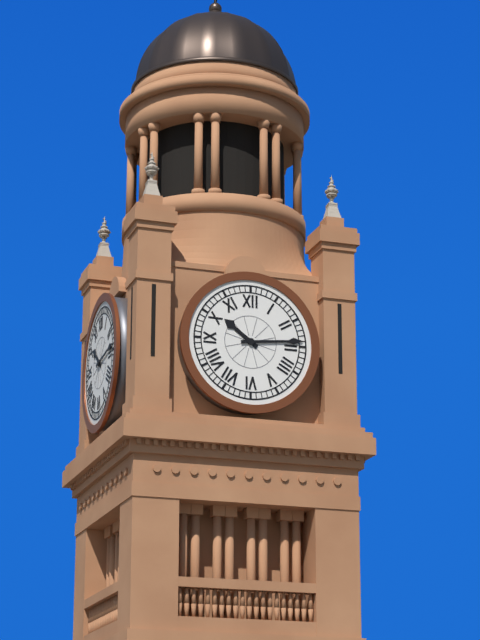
10:14
